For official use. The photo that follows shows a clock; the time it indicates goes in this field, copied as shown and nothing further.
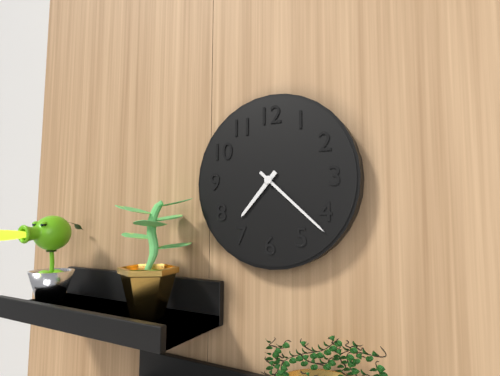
7:22
